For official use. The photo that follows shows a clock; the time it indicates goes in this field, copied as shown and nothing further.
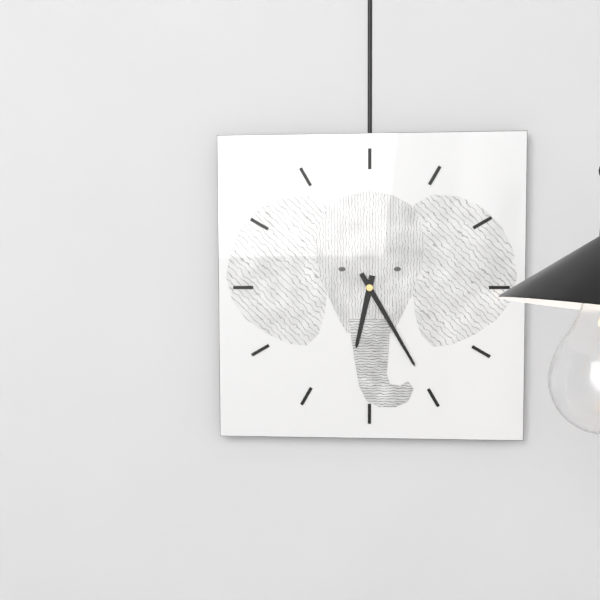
6:25
